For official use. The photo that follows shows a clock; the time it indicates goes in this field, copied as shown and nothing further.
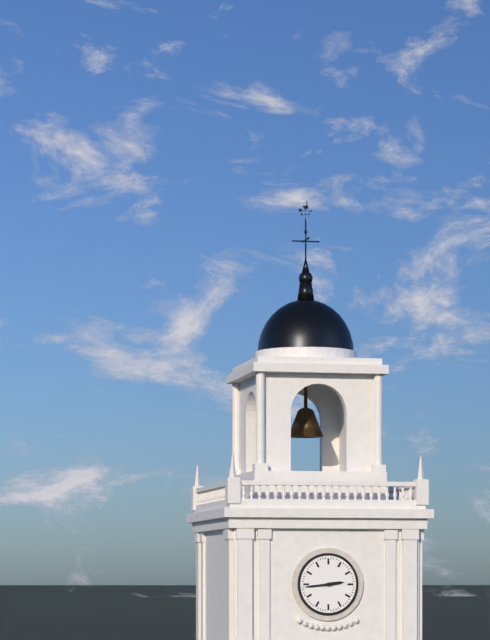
2:44
